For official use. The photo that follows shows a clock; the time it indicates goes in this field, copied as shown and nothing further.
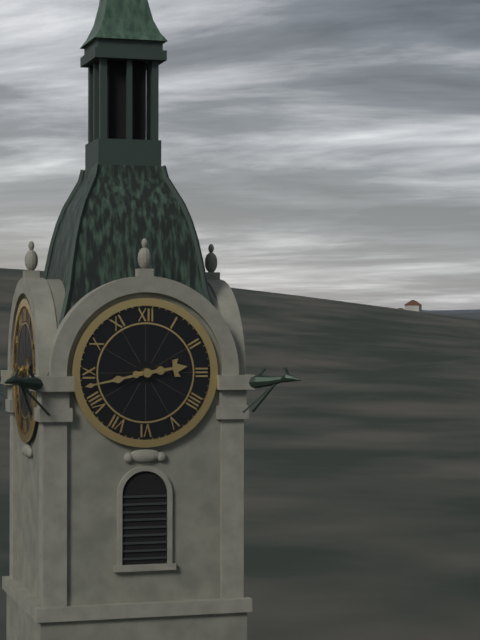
2:43
